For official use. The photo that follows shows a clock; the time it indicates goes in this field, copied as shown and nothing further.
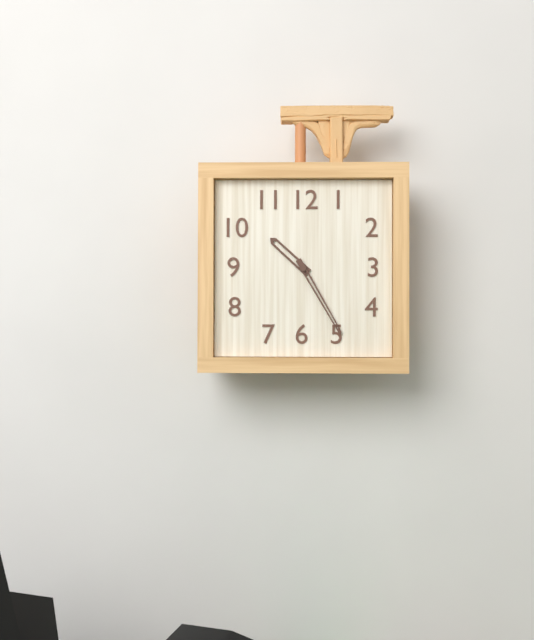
10:25
